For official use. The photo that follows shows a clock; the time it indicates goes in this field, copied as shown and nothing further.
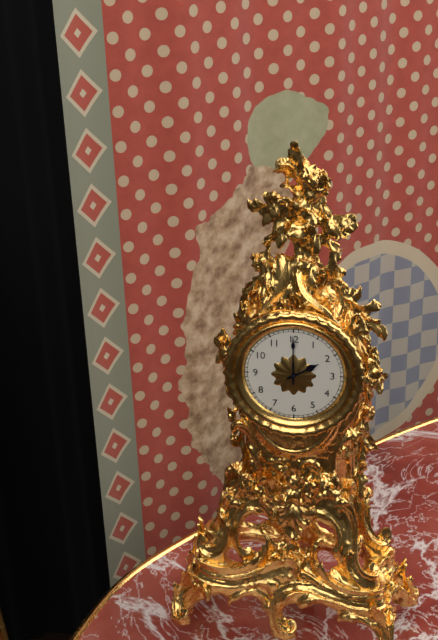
2:00
